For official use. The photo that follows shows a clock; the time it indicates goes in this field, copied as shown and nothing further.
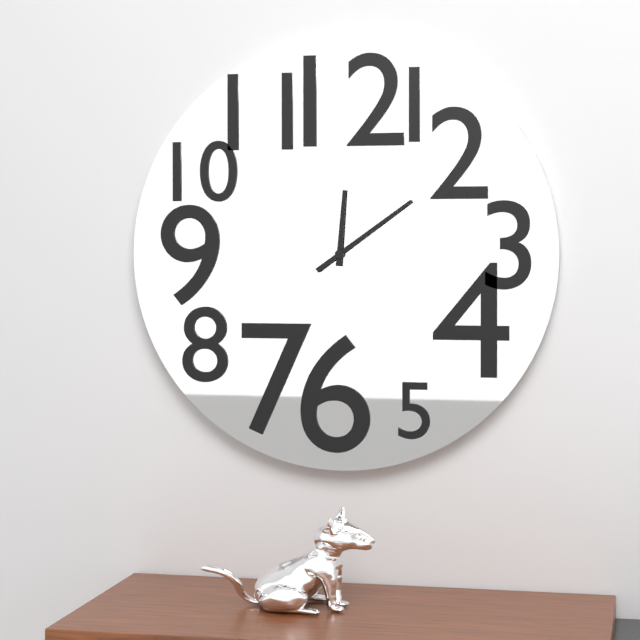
12:09
